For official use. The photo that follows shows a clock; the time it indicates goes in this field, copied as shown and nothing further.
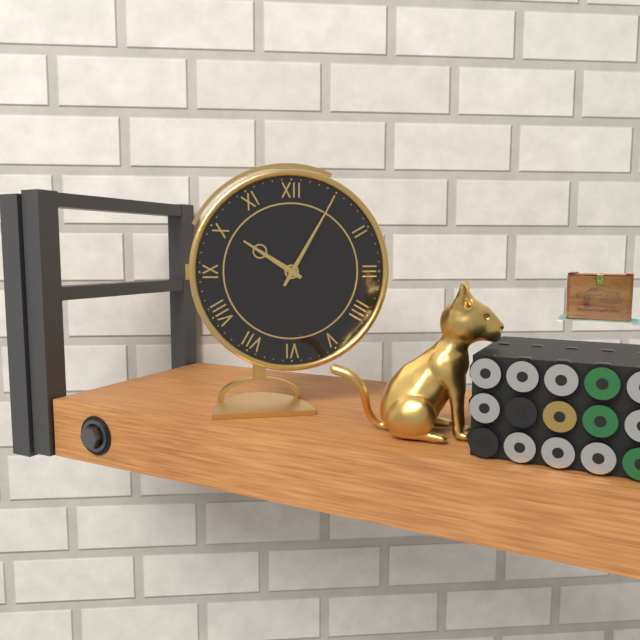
10:05
